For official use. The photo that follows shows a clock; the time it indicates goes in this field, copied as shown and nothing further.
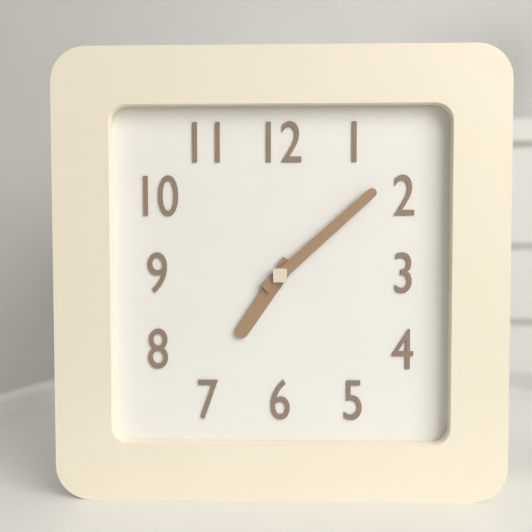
7:08
